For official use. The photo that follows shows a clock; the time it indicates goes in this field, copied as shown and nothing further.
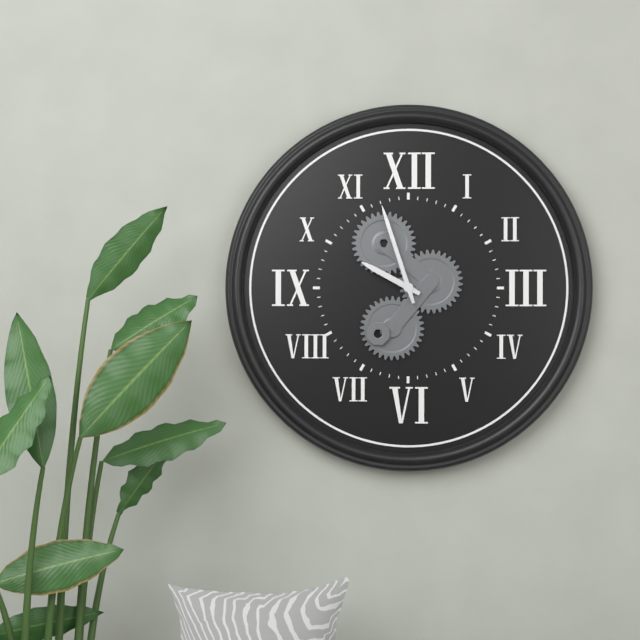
9:57
